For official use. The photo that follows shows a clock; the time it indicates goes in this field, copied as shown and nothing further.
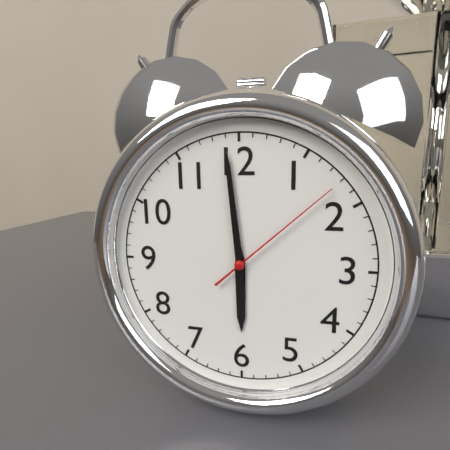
5:59:08
